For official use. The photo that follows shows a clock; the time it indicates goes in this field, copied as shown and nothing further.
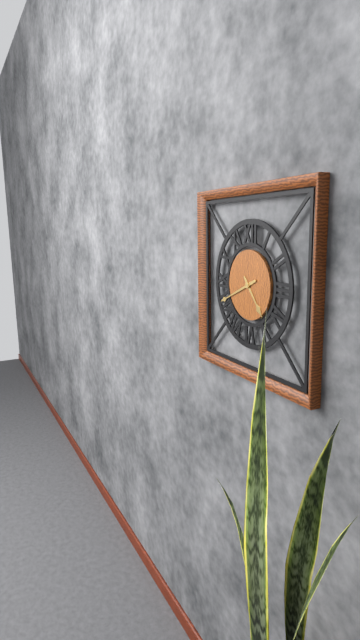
4:41
